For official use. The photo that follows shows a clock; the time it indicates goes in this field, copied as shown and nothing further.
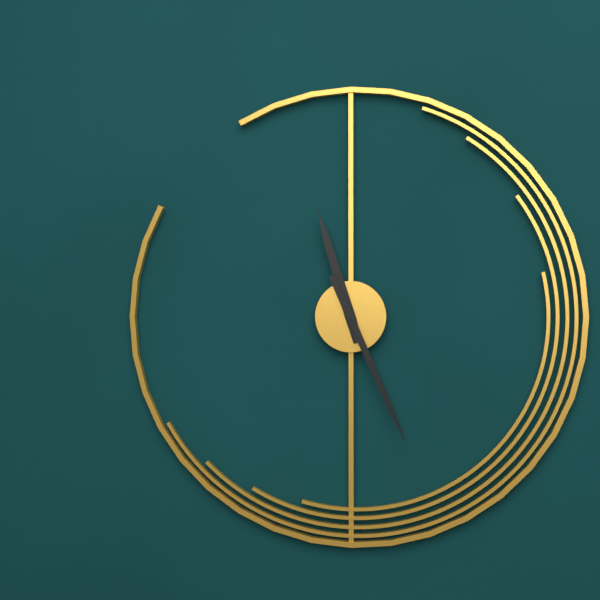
11:26
